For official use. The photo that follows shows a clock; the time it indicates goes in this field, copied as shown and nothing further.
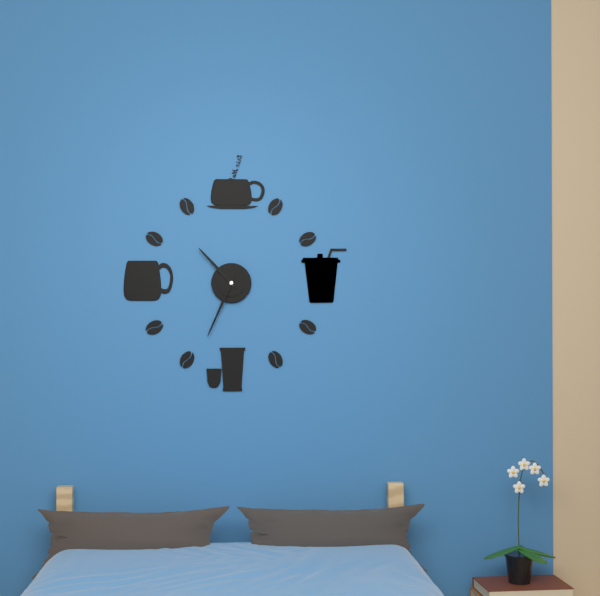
10:34:34
